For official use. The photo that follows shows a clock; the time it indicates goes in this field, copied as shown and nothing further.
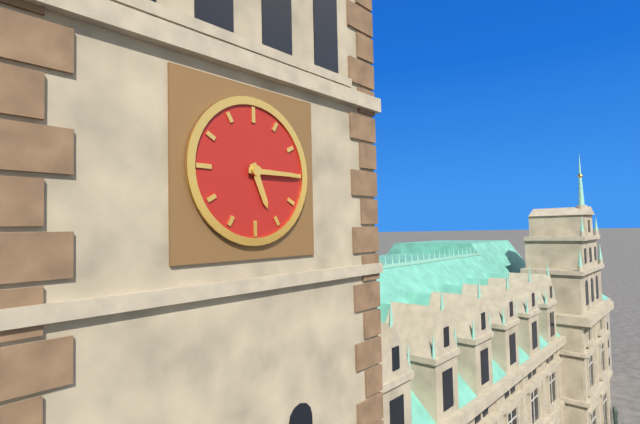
5:15
